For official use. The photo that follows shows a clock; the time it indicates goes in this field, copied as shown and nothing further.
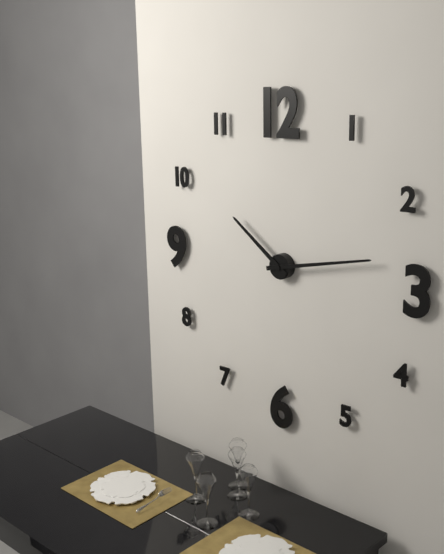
10:13
